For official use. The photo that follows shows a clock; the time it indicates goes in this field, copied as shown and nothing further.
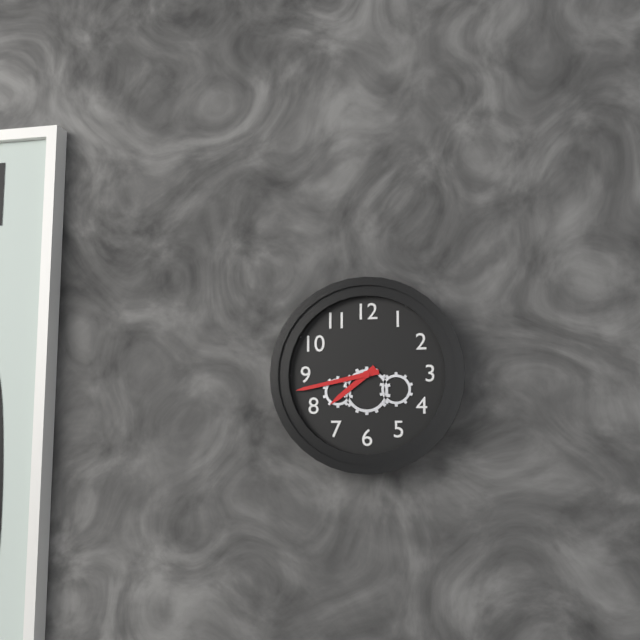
7:43
